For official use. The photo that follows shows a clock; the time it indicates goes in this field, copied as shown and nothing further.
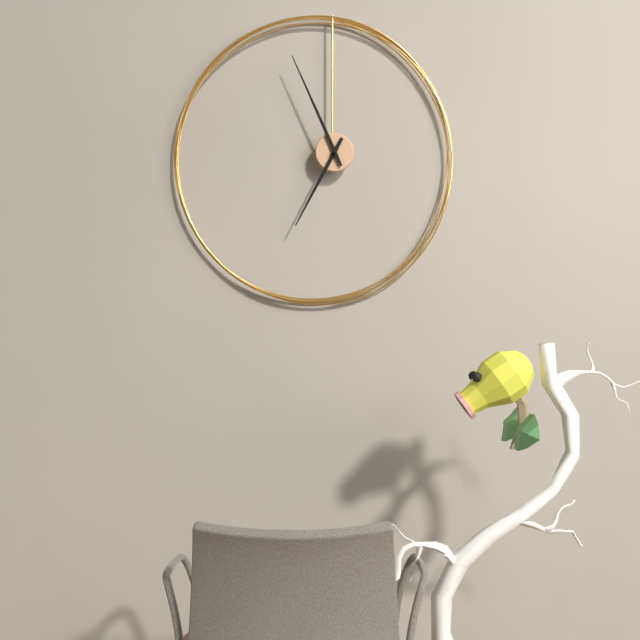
6:56
